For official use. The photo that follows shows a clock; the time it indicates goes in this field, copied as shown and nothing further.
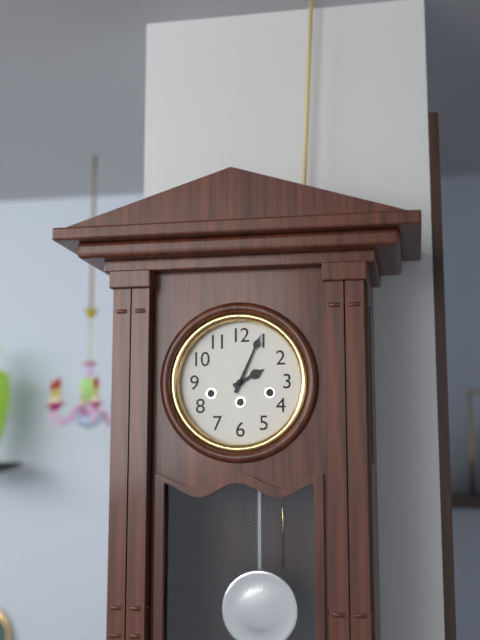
2:04
